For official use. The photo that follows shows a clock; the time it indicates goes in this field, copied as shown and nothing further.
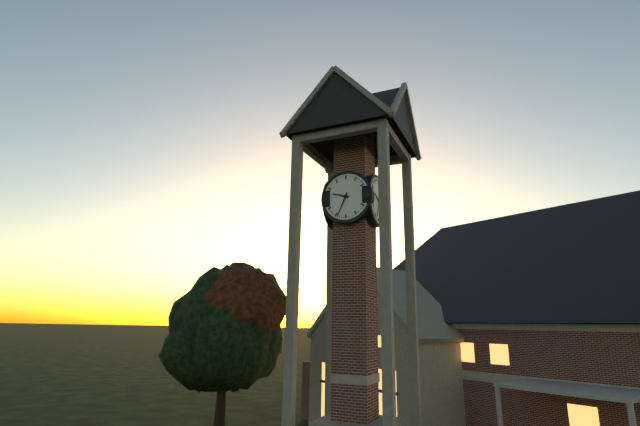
9:34
